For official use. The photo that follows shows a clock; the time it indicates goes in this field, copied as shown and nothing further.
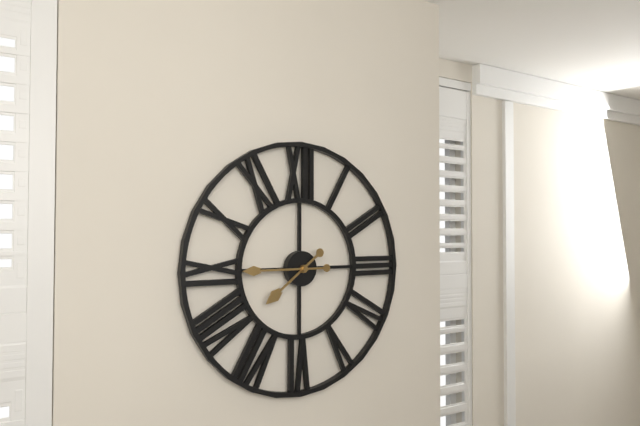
7:45
